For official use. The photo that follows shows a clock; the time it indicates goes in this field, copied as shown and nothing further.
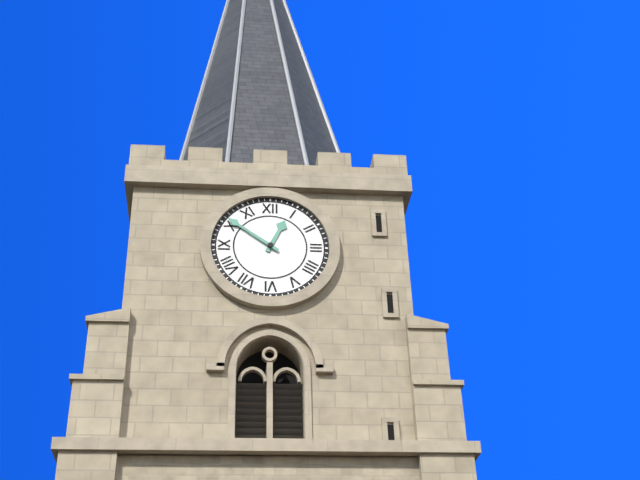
12:51
